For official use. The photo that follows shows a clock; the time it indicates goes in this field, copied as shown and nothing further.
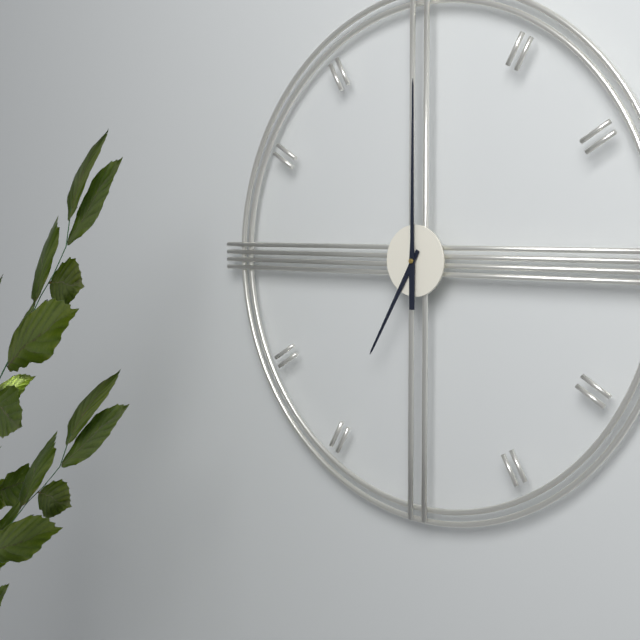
7:00
